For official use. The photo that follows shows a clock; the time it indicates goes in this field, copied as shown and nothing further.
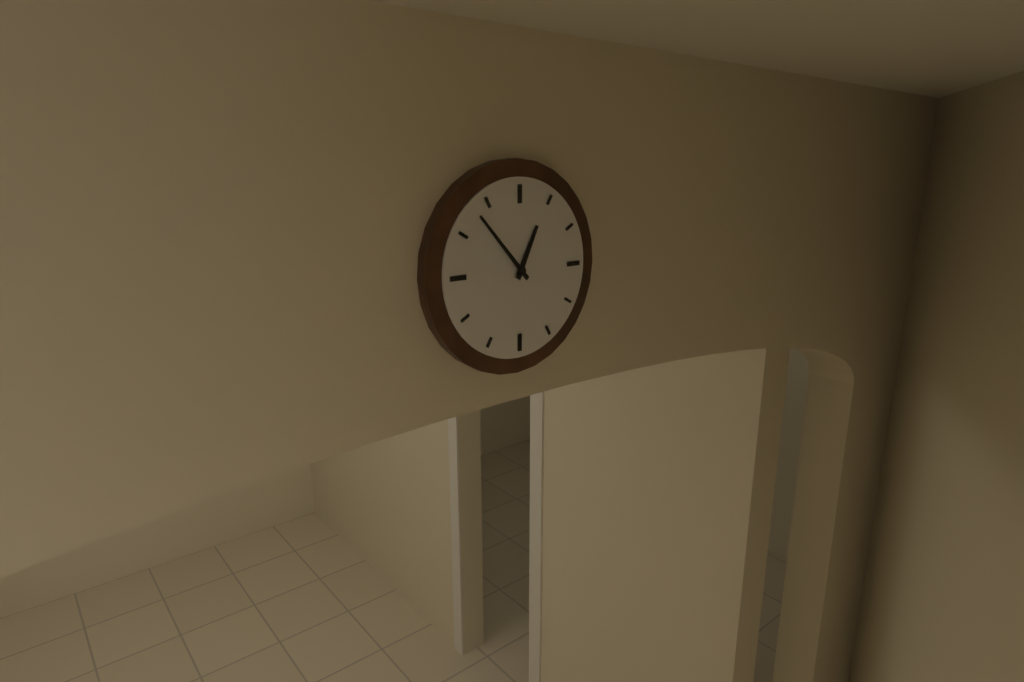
12:53
